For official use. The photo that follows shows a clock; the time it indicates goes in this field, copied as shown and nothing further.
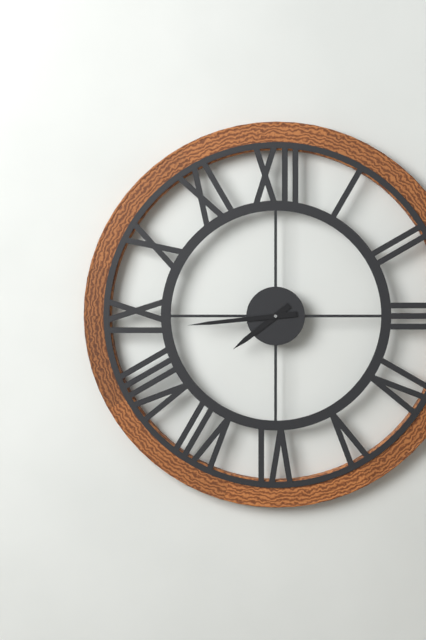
7:44
